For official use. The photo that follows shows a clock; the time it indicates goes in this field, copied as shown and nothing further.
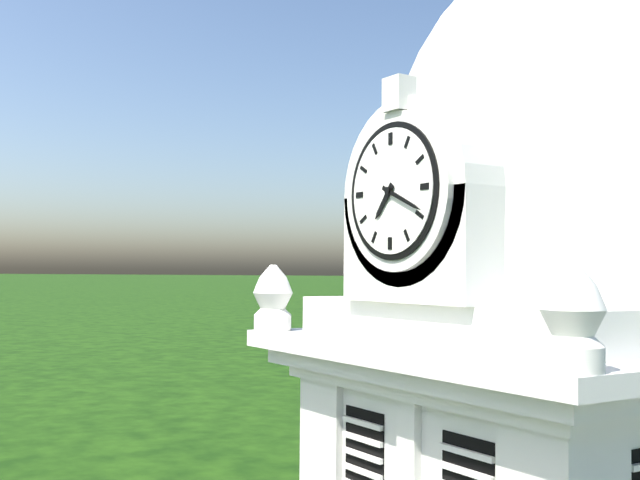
7:19
